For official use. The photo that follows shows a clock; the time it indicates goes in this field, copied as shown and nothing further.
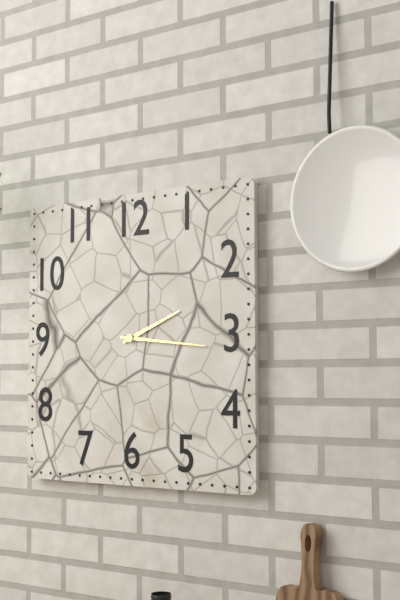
2:16
